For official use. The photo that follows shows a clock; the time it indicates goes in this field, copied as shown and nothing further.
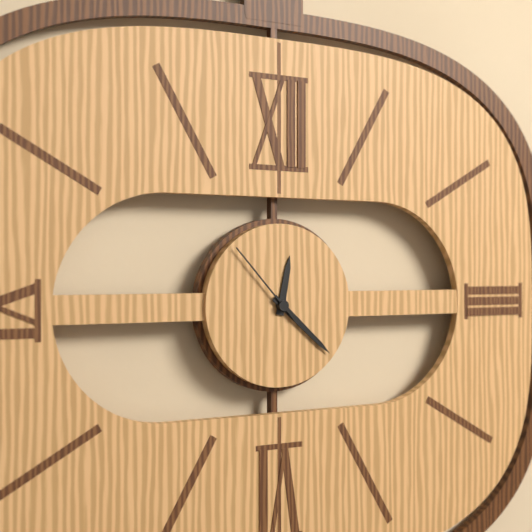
12:22:53
